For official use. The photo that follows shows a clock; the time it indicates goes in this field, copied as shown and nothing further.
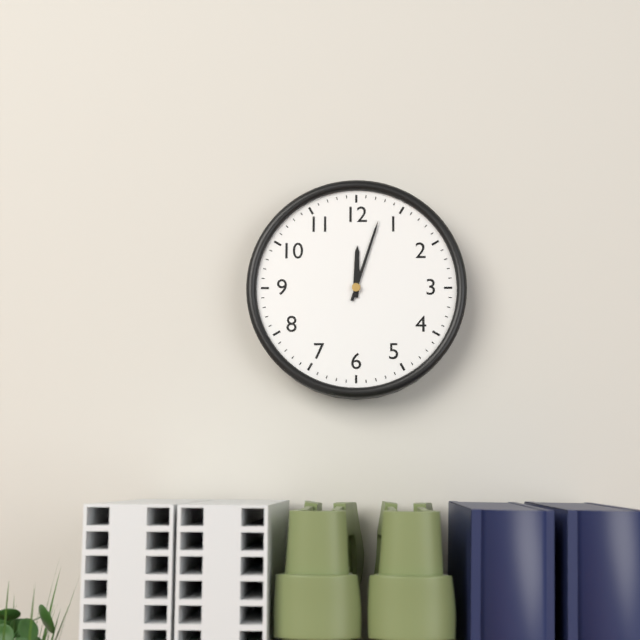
12:03
